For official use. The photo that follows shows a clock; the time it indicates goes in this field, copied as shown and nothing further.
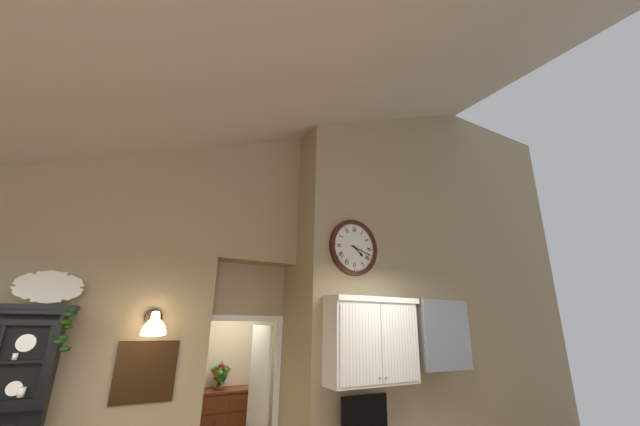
4:18
